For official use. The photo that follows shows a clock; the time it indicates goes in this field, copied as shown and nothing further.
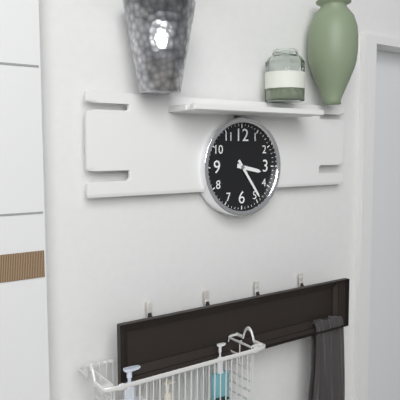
3:24
